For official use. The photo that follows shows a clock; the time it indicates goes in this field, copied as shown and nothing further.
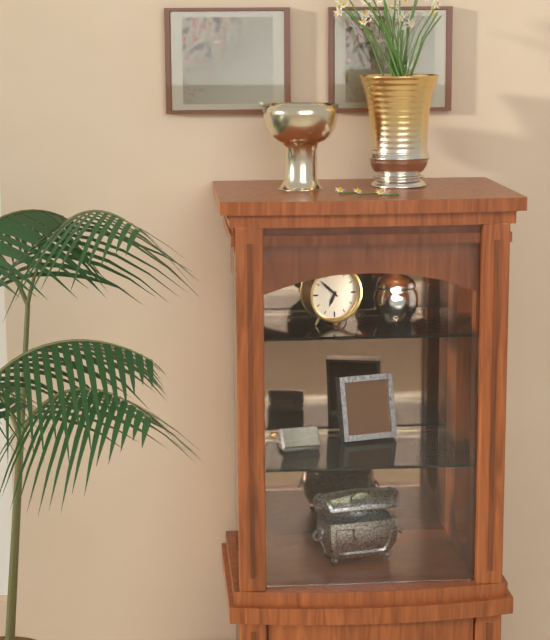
6:52
